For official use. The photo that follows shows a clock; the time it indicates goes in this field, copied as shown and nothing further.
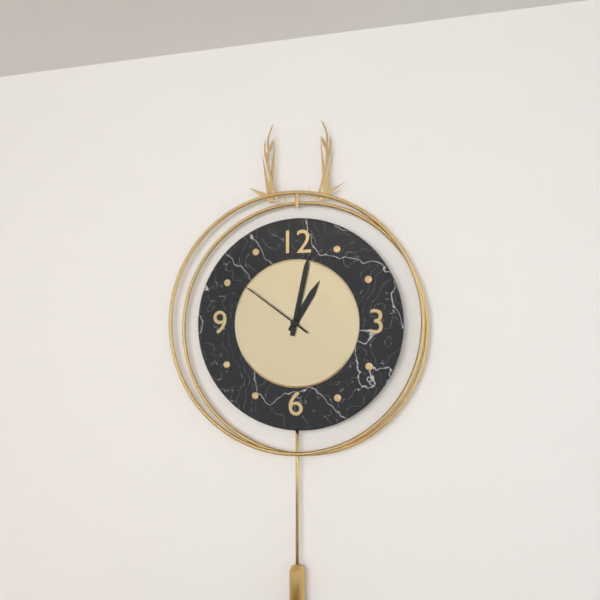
1:02:51
